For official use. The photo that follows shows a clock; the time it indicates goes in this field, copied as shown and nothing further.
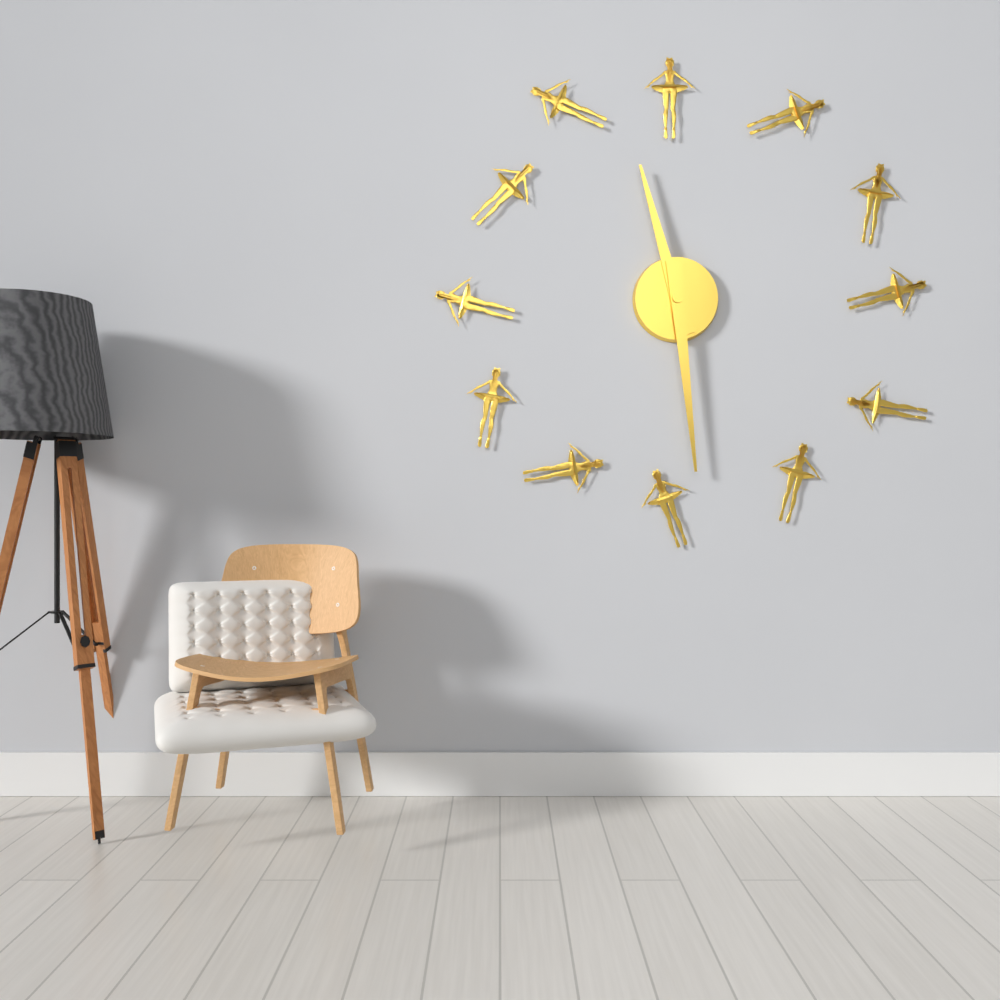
11:29
